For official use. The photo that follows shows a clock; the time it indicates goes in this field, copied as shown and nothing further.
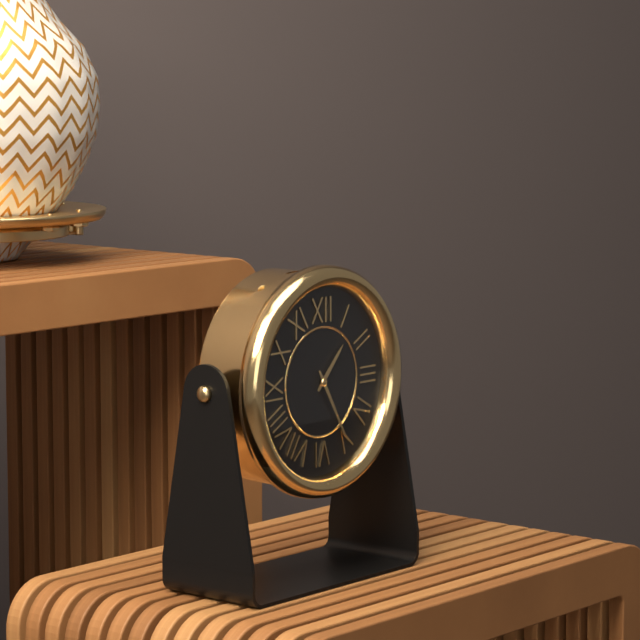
1:25
